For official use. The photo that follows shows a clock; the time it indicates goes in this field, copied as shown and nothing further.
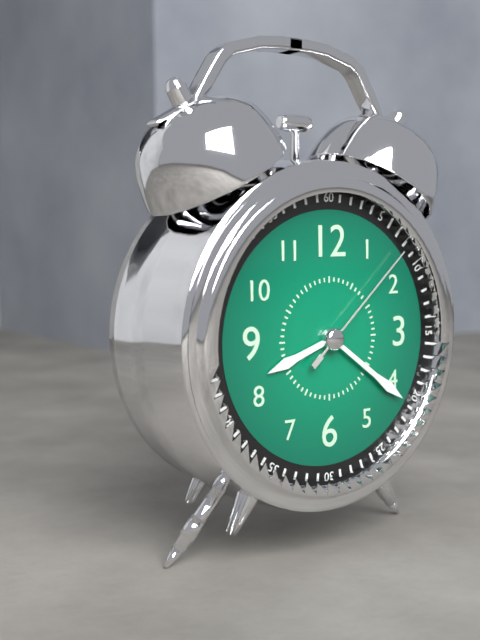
8:21:08
